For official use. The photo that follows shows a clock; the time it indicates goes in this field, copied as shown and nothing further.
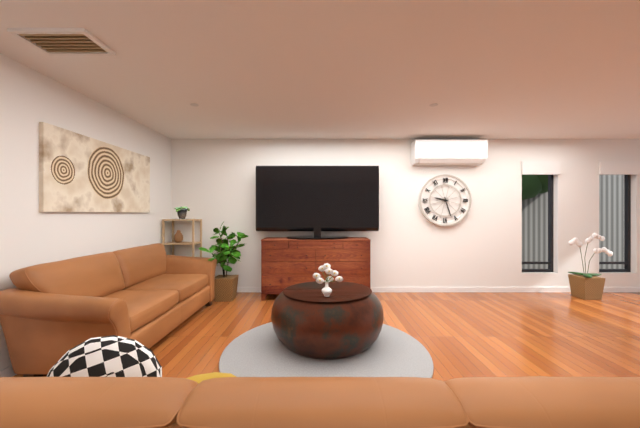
9:27
